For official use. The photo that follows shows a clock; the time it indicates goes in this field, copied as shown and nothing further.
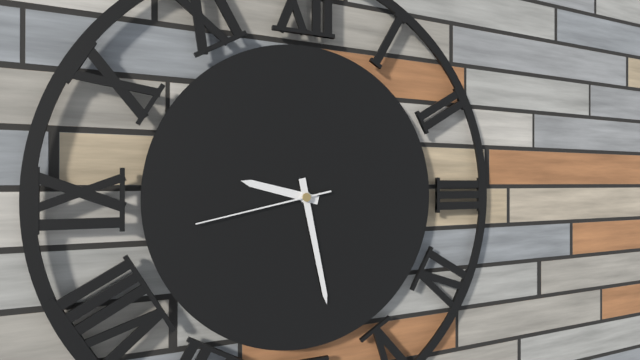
9:28:43
